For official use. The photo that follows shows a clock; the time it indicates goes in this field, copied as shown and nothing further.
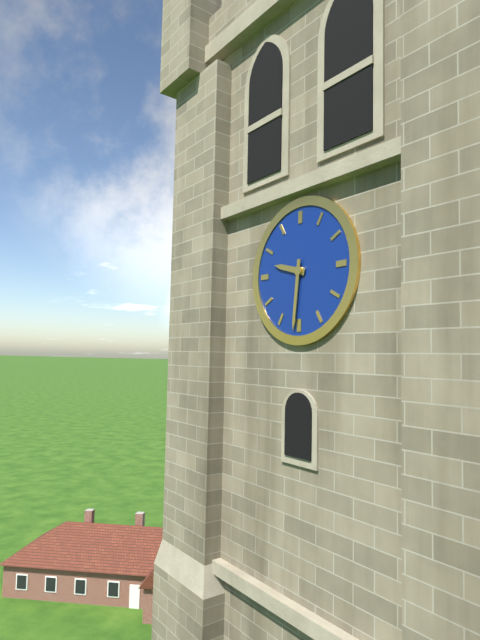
9:31
